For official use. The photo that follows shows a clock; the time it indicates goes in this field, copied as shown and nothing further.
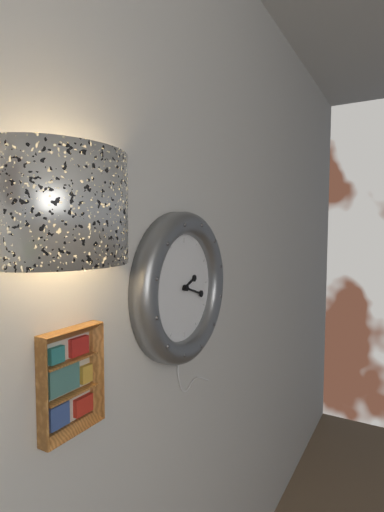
2:18
